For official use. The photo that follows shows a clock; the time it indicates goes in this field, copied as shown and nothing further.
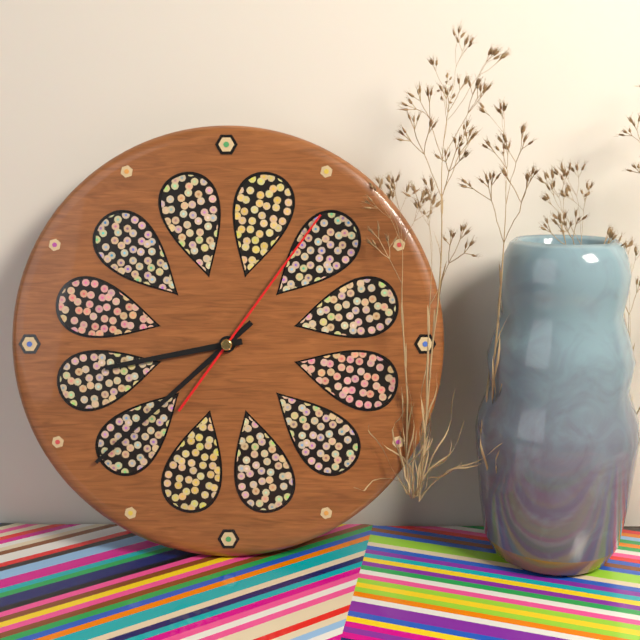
8:38:06
